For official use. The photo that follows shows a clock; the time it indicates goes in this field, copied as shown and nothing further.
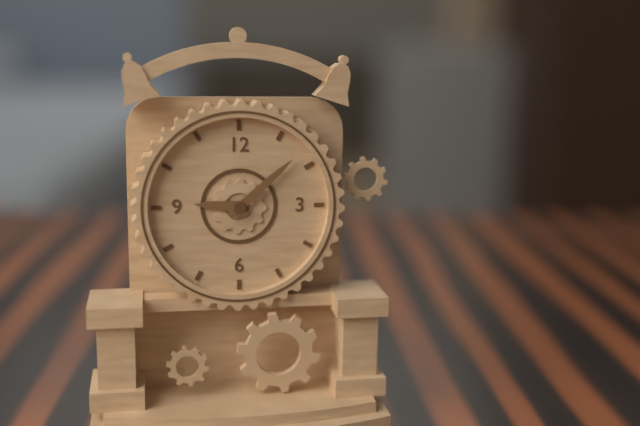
9:08
